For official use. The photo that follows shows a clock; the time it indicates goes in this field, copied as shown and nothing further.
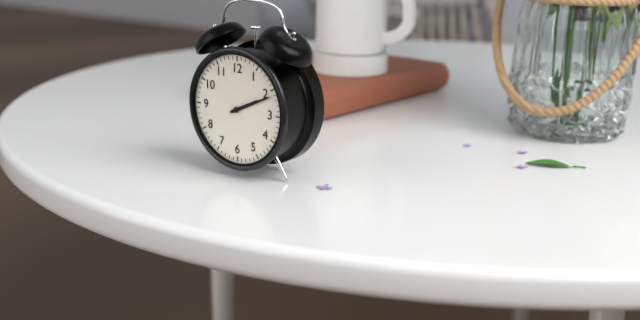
2:11
